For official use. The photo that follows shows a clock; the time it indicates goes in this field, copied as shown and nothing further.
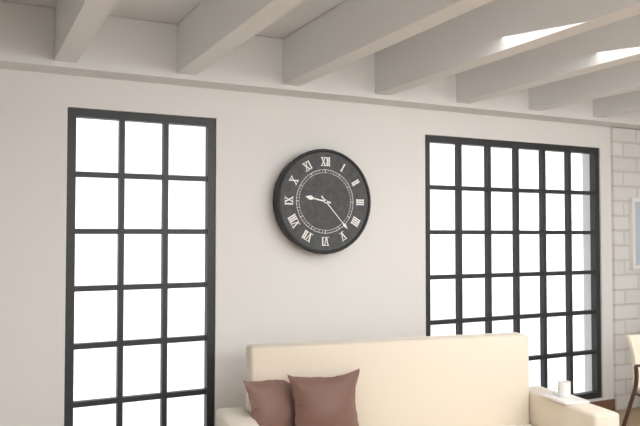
9:23
